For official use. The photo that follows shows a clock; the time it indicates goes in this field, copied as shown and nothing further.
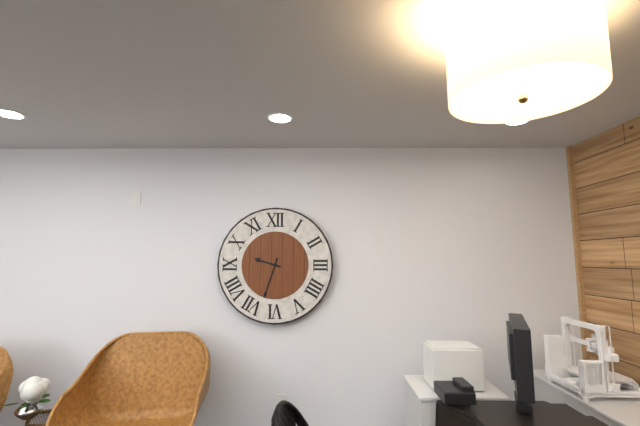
9:33
